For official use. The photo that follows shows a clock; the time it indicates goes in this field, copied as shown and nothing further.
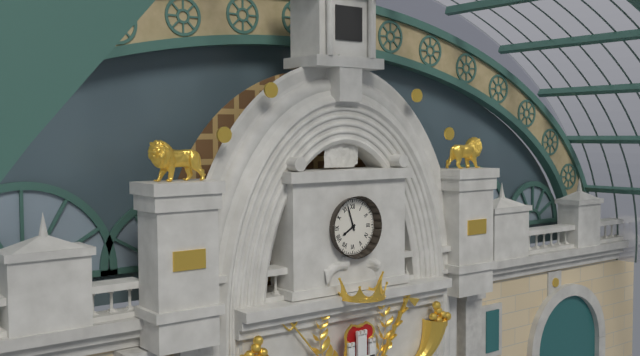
7:57
